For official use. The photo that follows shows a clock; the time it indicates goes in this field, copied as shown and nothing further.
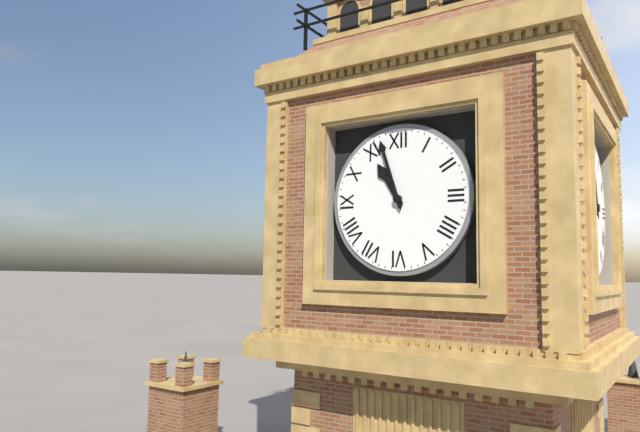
10:57
